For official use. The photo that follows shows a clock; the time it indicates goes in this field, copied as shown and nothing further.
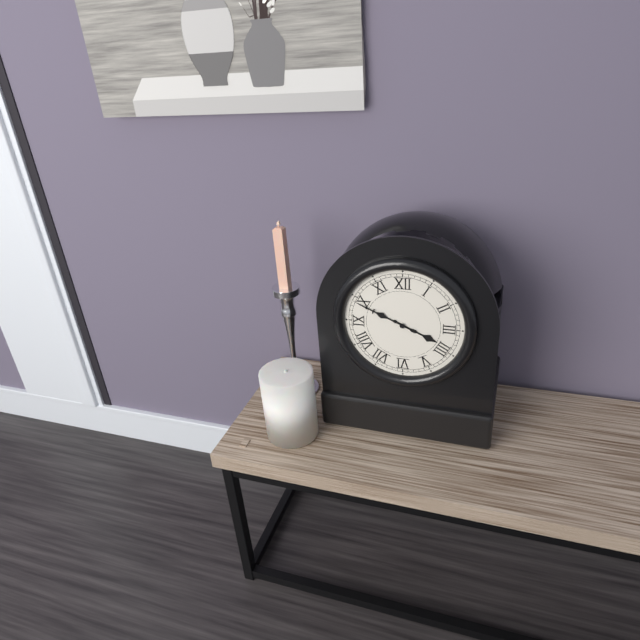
3:49
